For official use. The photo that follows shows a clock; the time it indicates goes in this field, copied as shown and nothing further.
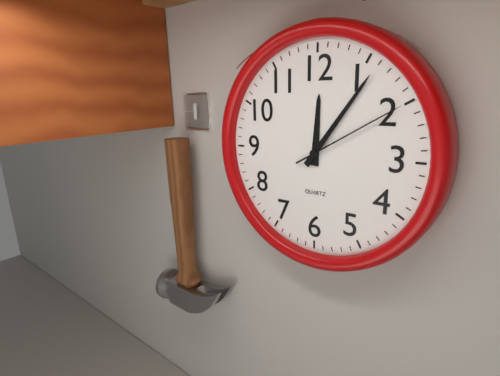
12:06:10
